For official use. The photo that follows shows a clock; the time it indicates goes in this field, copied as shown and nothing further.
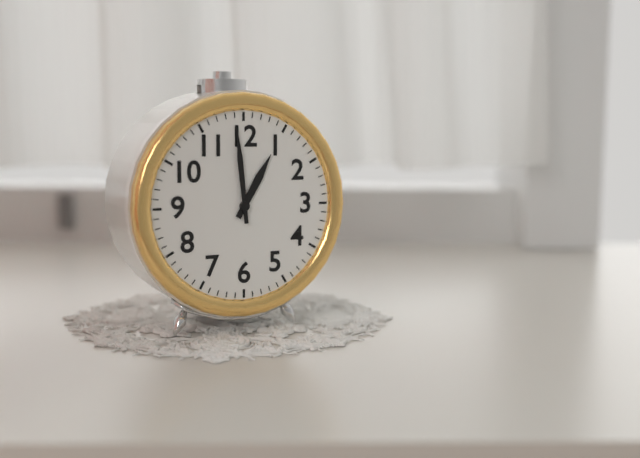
12:59
